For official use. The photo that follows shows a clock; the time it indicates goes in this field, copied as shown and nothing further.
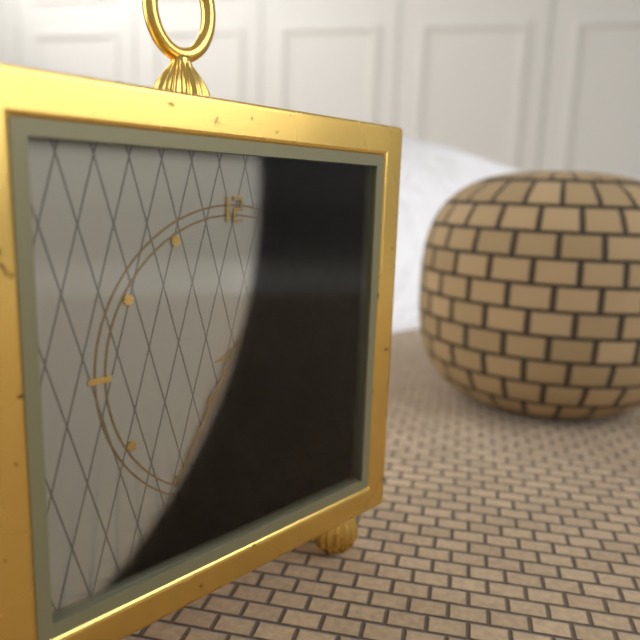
2:35
